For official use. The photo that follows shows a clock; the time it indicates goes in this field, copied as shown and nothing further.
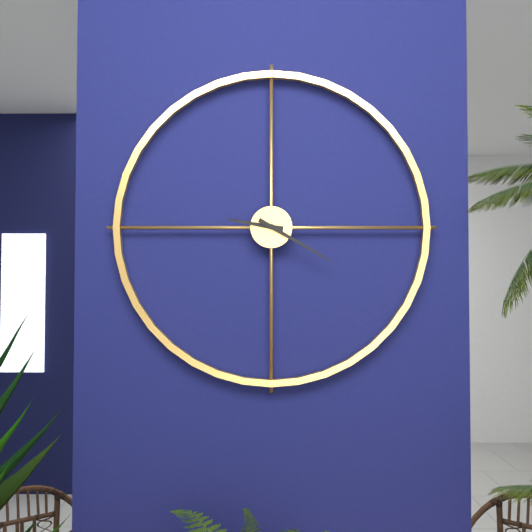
9:20
